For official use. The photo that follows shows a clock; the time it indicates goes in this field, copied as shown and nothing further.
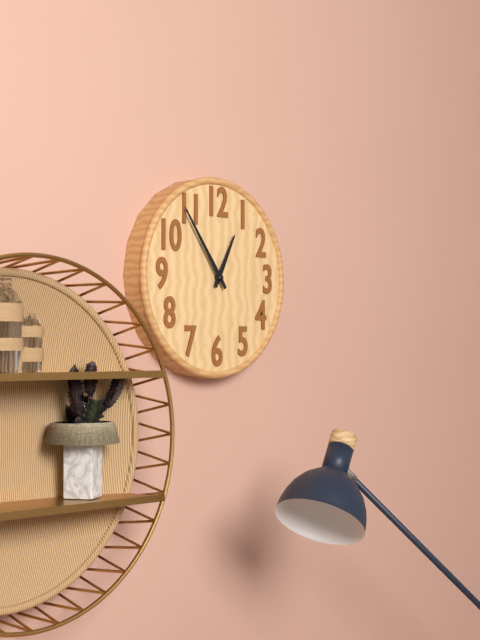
12:54
